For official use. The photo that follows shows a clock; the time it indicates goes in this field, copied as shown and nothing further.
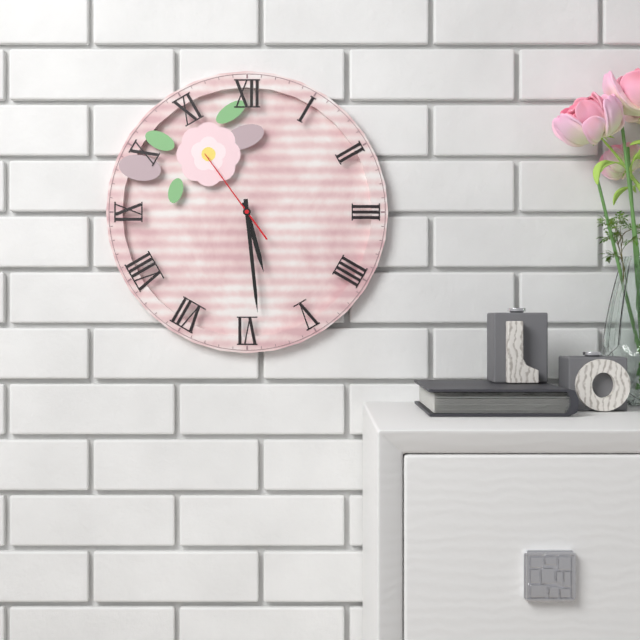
5:29:54
